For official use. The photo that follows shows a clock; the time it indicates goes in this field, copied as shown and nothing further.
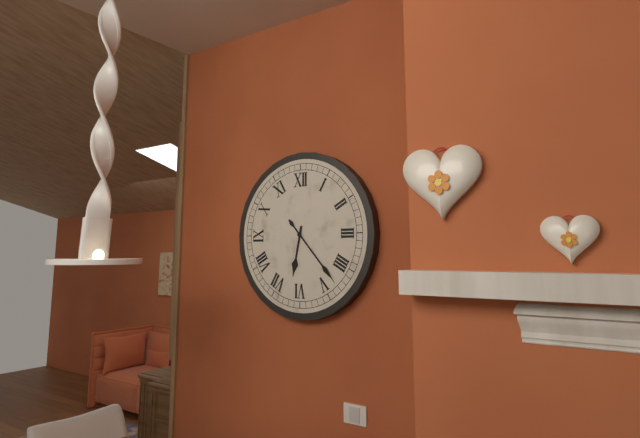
6:23
